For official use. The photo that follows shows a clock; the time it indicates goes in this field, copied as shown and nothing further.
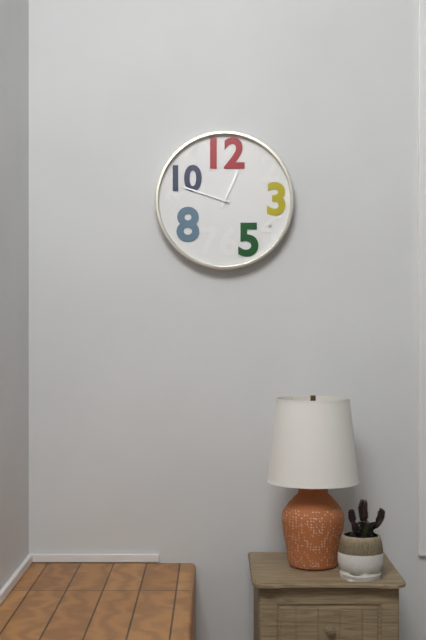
12:48
